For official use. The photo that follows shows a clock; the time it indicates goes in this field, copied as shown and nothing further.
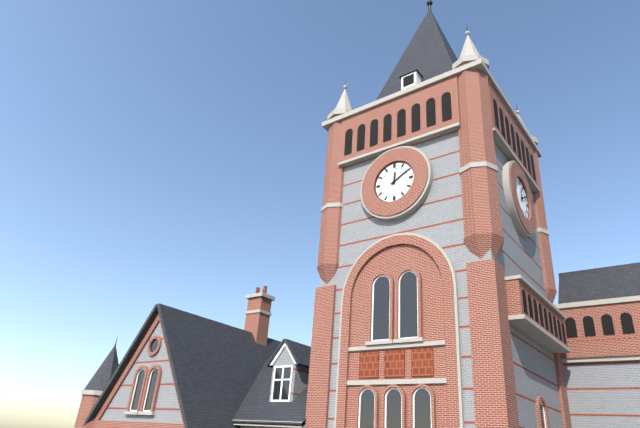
12:10
